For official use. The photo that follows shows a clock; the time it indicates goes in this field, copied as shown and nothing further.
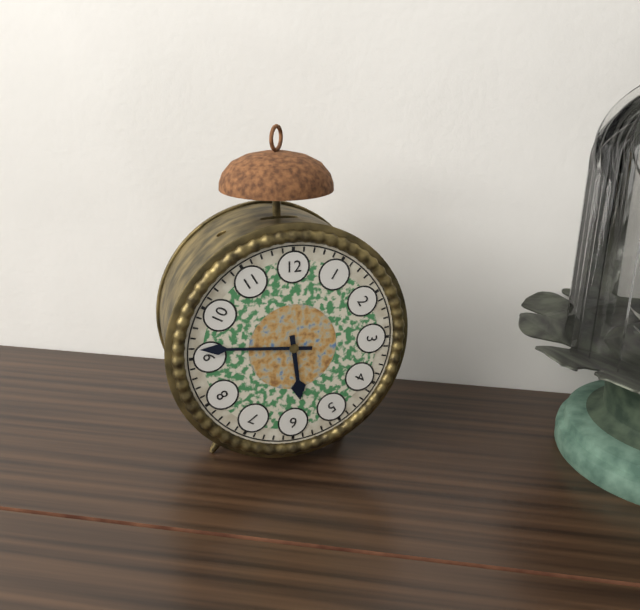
5:46
